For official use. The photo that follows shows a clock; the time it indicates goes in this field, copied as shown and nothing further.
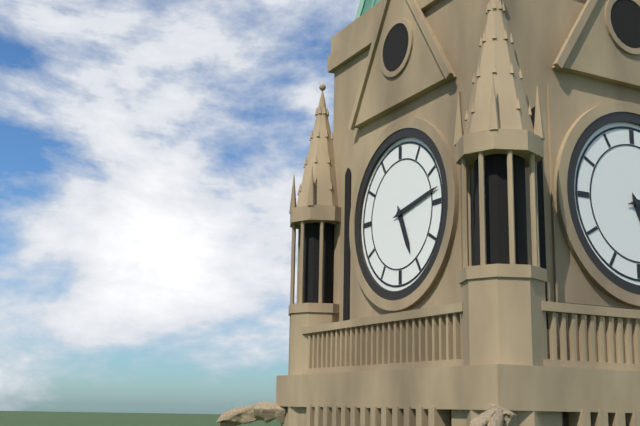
5:13
